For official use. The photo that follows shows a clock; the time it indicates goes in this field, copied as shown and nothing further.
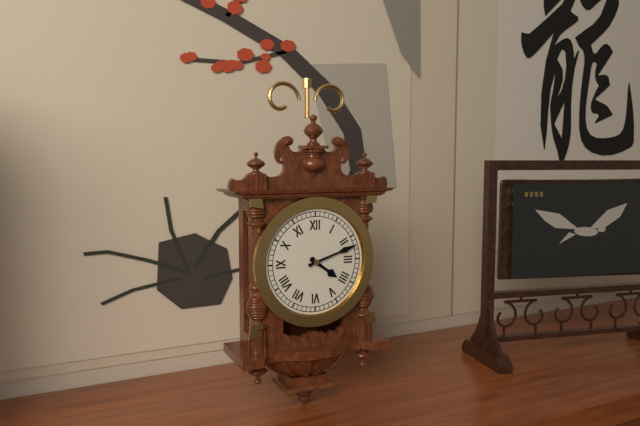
4:12
